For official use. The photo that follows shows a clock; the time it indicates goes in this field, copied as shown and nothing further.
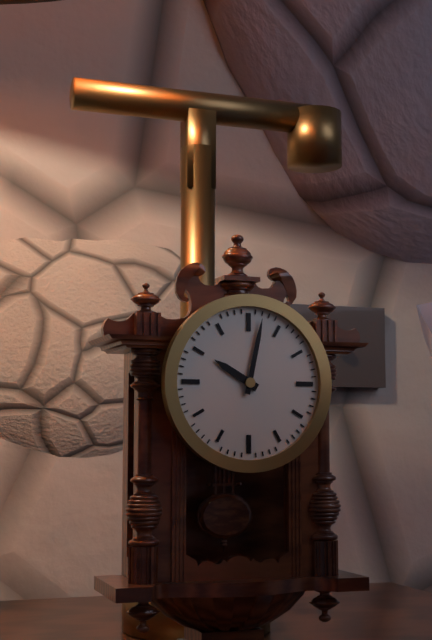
10:02
